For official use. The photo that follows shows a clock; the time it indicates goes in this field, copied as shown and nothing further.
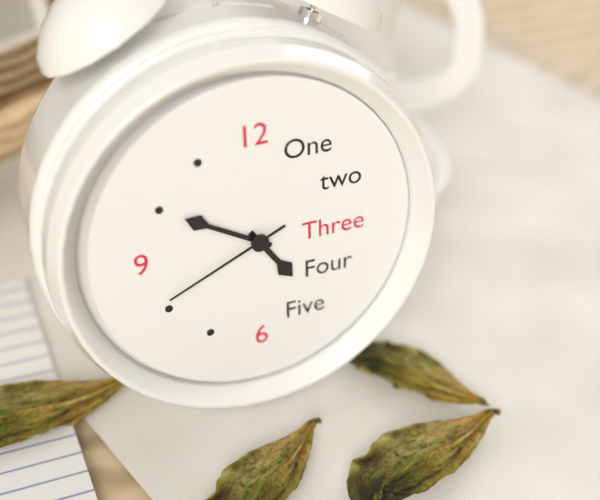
4:50:41
